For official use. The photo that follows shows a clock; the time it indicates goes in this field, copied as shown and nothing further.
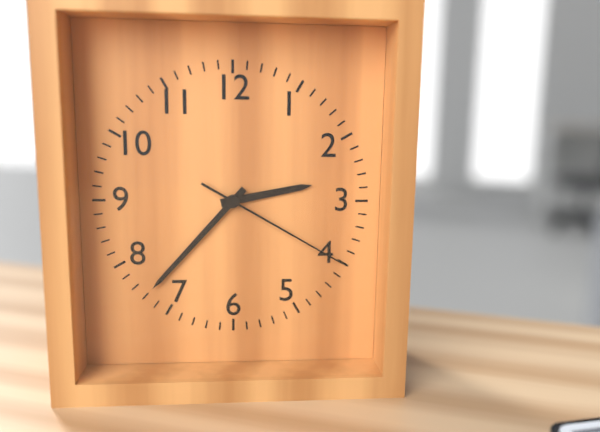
2:37:20
